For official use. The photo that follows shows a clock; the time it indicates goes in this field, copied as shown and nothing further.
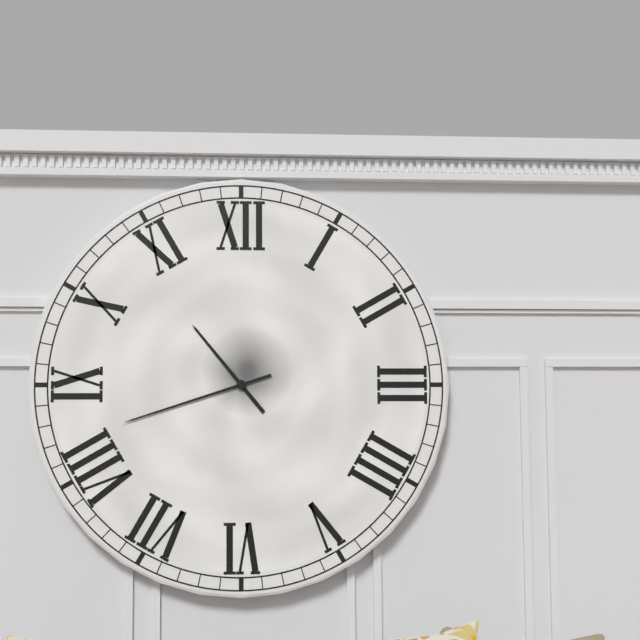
10:42
